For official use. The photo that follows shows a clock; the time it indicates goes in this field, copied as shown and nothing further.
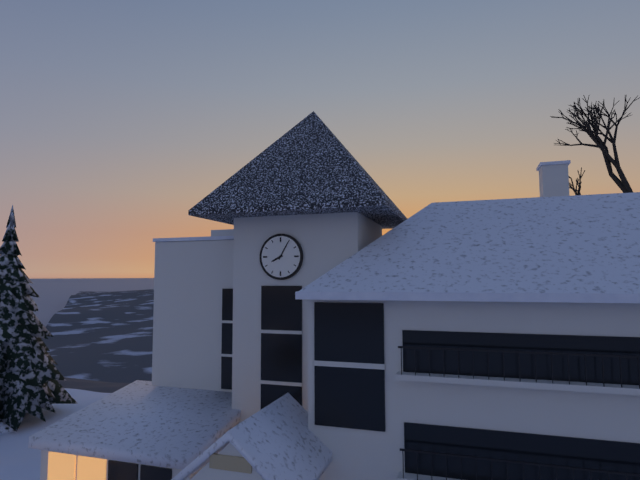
8:05
